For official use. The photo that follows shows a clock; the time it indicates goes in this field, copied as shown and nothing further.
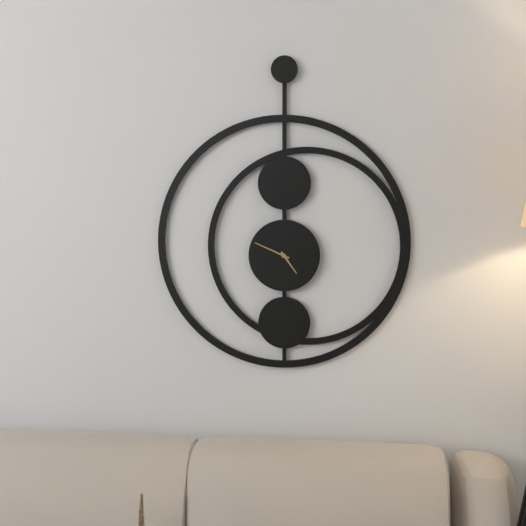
4:49
